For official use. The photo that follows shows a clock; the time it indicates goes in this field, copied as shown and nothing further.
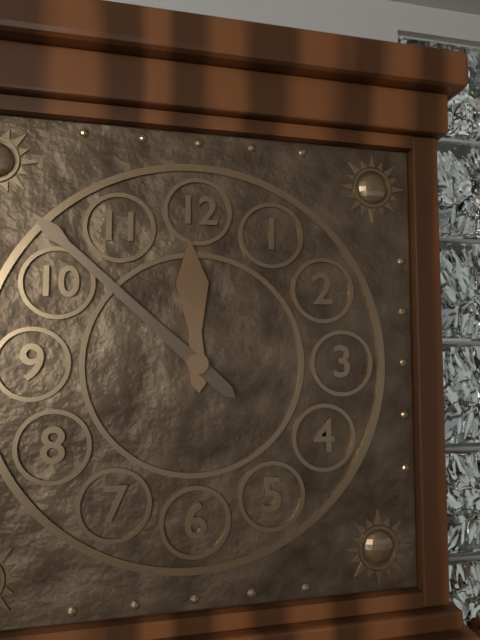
11:52
